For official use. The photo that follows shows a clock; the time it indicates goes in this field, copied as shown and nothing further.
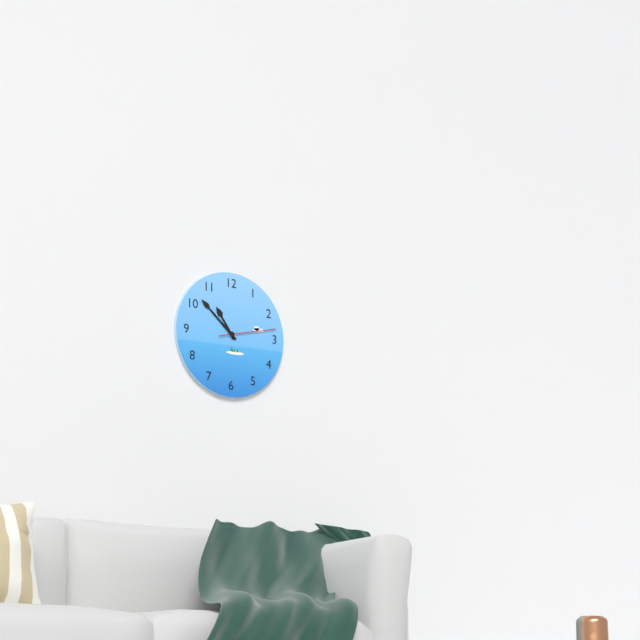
10:52:13
